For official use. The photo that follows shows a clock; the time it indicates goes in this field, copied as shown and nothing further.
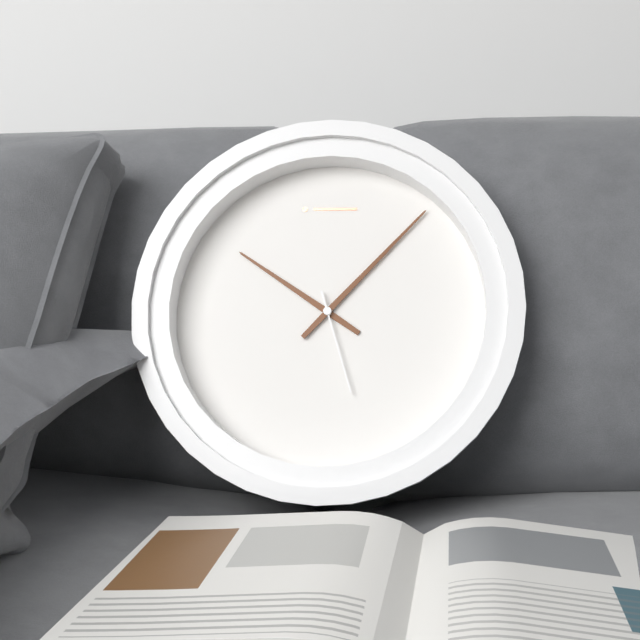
10:07:27
